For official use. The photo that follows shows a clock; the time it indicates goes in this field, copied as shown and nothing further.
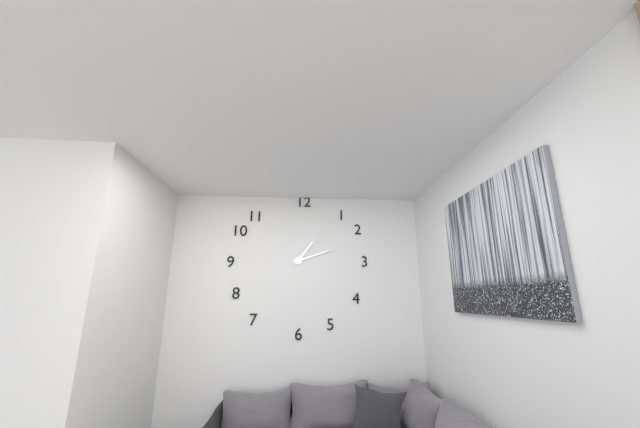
1:12
